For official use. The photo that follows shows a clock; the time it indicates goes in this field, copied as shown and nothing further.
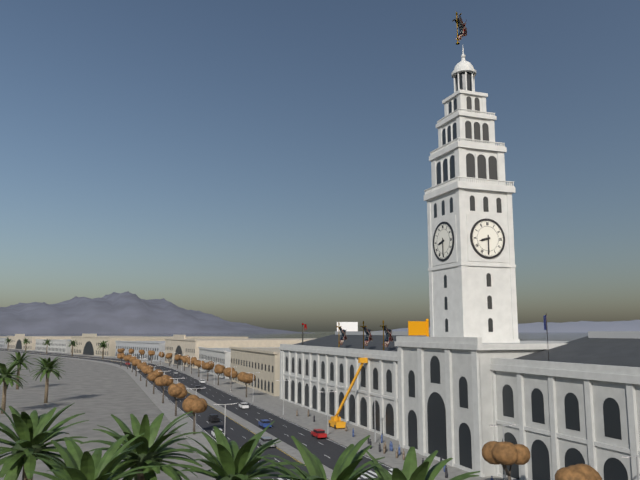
8:30
